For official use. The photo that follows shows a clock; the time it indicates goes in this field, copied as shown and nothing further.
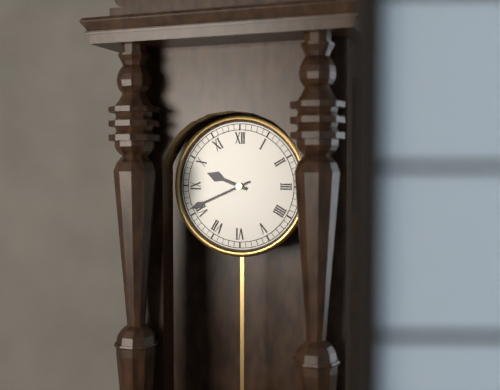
9:41
